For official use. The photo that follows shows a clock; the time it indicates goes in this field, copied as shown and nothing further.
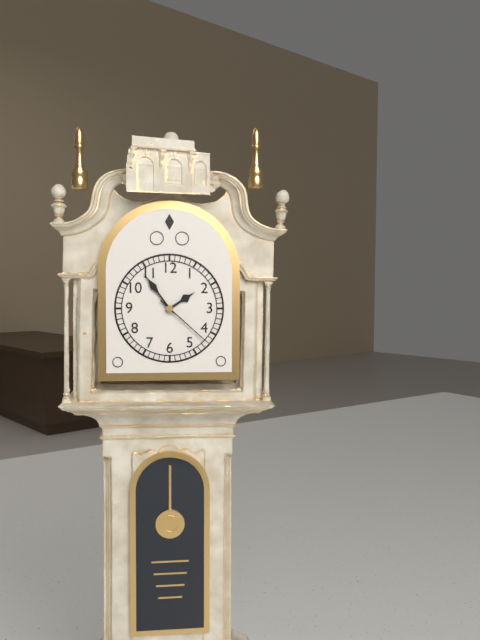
1:54:22
